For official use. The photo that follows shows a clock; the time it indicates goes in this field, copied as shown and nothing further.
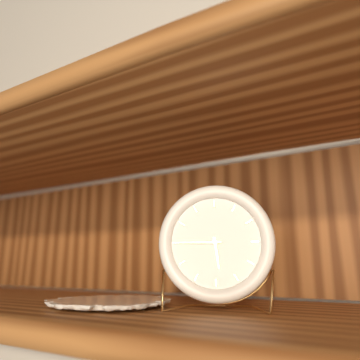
5:45
